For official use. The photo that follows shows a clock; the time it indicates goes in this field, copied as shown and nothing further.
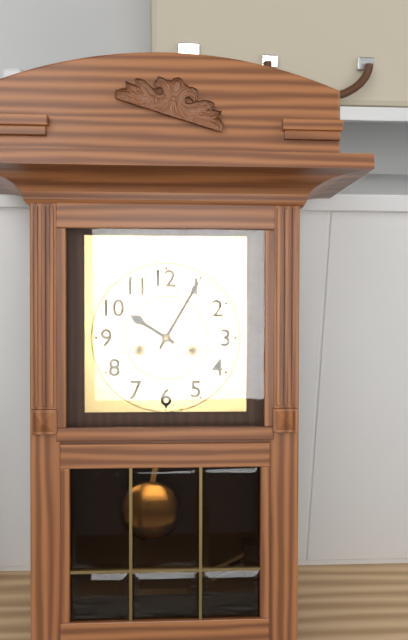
10:05
